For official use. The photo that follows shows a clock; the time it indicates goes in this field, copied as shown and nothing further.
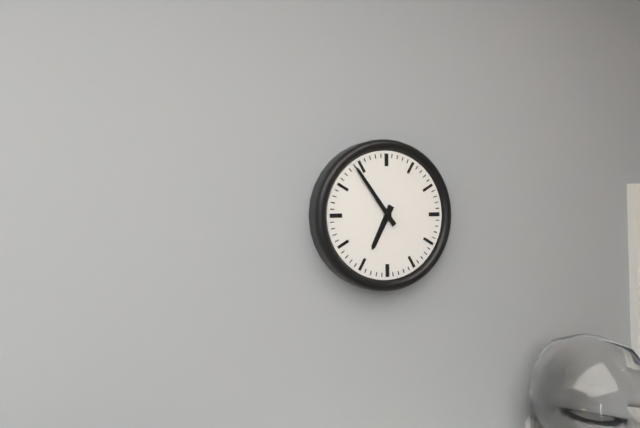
6:54
